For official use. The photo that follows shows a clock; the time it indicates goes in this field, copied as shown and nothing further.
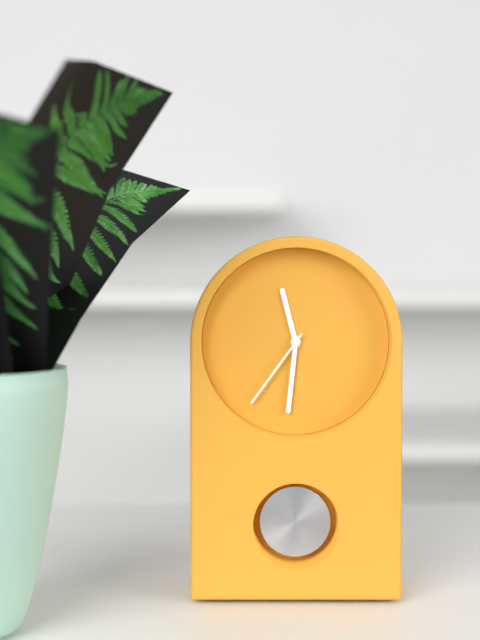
11:31:36
